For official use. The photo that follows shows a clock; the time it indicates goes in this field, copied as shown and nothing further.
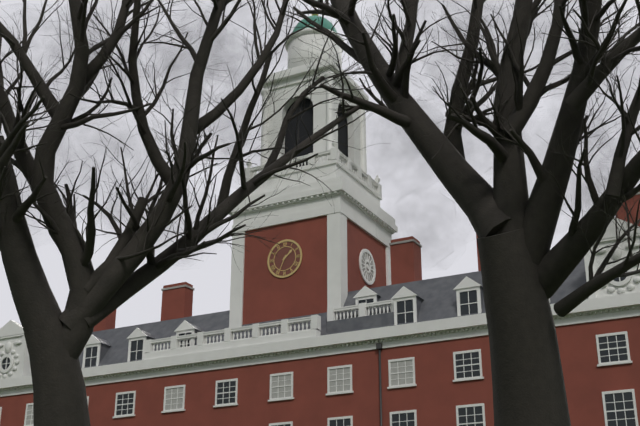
1:34
